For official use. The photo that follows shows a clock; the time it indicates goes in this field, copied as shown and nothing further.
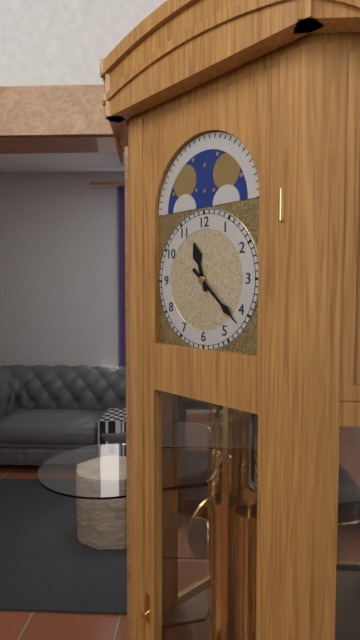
11:22
